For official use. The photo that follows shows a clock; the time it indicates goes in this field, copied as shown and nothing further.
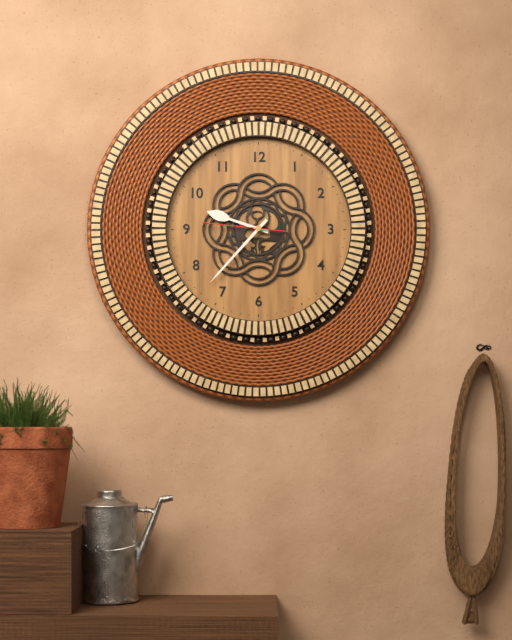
9:37:46
